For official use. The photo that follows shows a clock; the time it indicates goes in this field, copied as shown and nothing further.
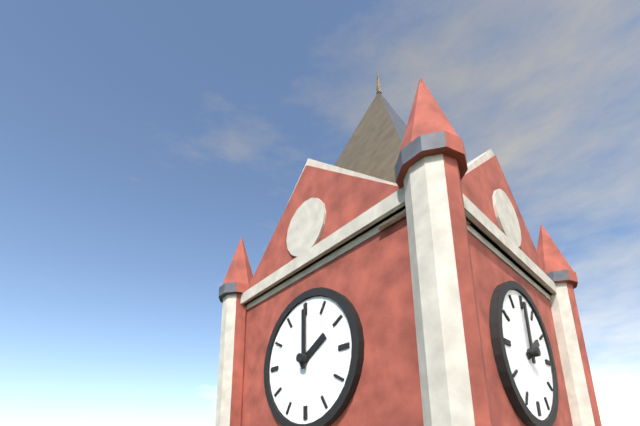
2:00
